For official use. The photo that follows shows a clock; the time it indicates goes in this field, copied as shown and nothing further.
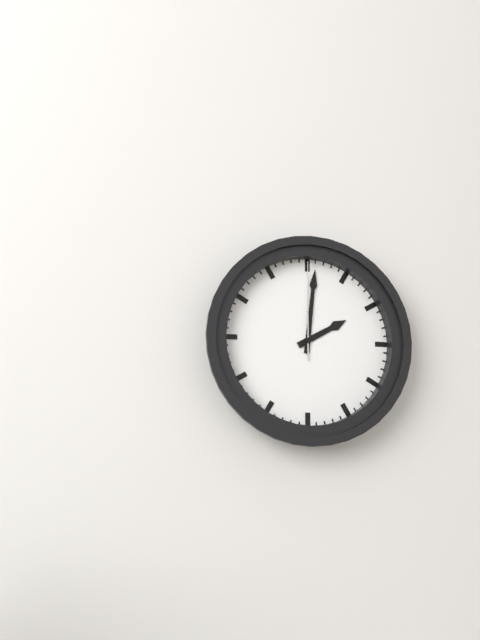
2:01:00
